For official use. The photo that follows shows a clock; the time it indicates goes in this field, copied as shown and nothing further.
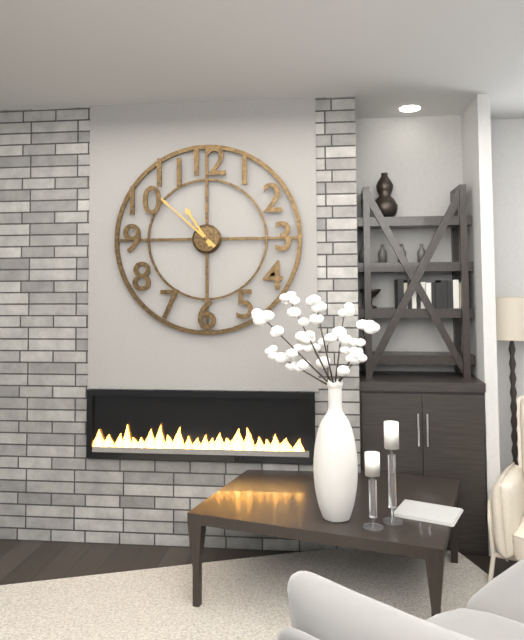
10:52
